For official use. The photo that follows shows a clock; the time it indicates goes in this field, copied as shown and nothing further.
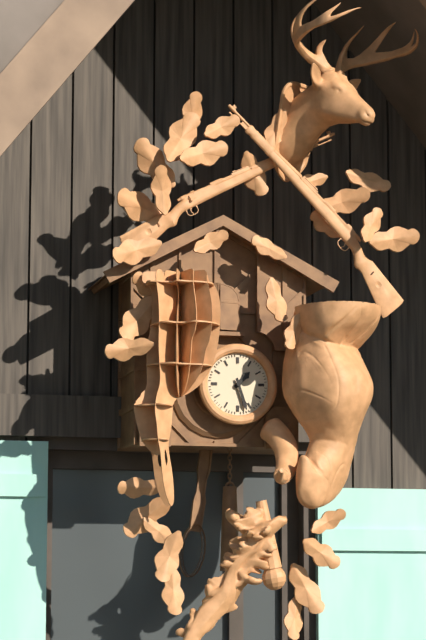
1:27
